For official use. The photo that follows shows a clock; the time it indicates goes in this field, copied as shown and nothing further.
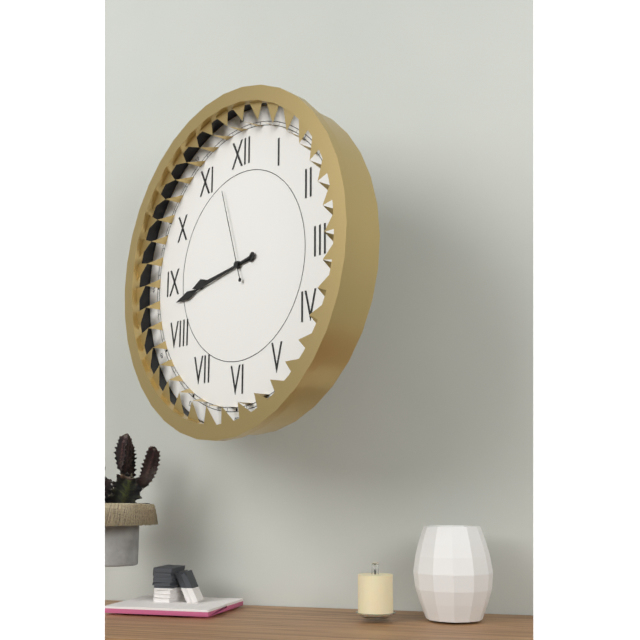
8:43:57
